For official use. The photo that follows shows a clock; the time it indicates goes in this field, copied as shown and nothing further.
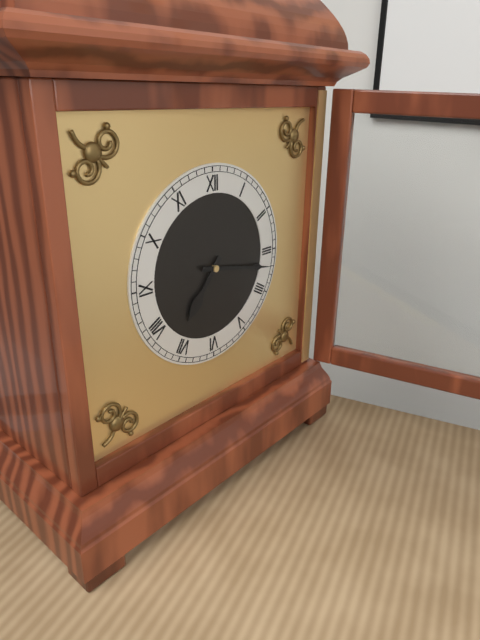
7:17
